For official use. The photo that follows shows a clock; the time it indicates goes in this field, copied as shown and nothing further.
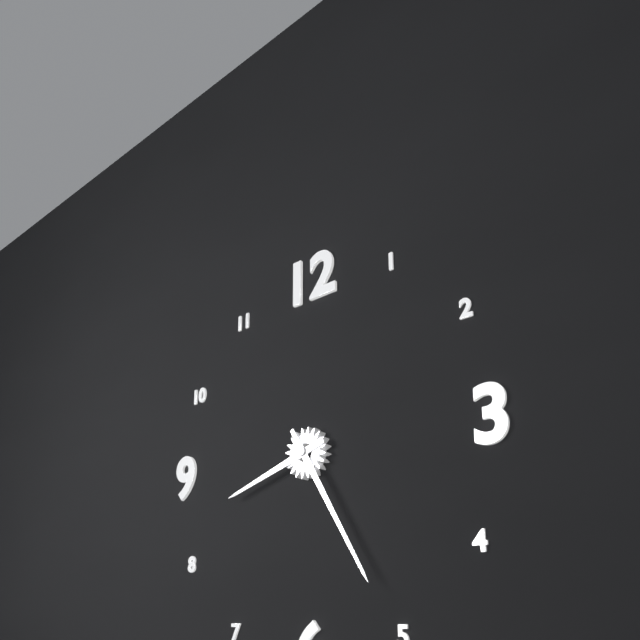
8:25
